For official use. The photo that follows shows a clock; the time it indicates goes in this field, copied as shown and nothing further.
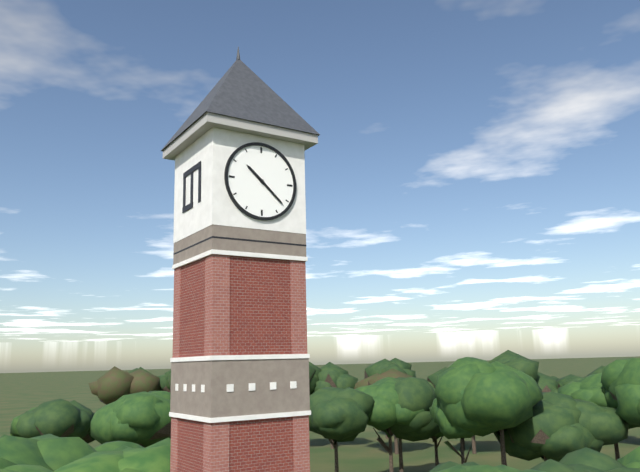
10:22
